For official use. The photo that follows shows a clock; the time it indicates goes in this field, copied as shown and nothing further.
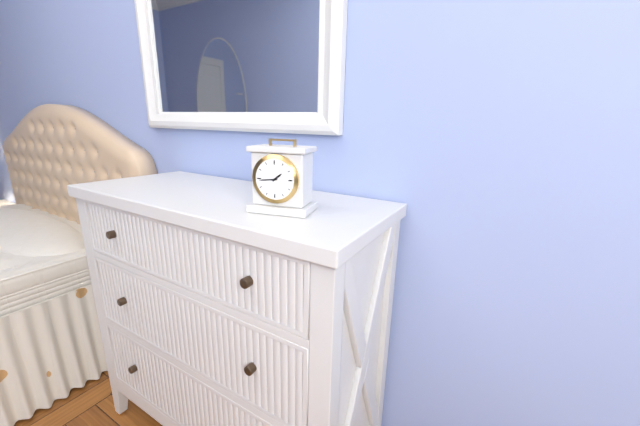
1:44
